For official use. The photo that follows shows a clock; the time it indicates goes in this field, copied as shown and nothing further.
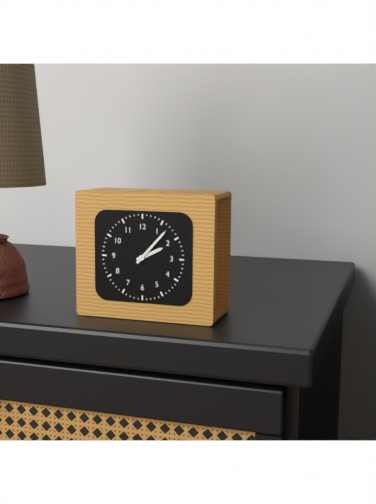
2:07
